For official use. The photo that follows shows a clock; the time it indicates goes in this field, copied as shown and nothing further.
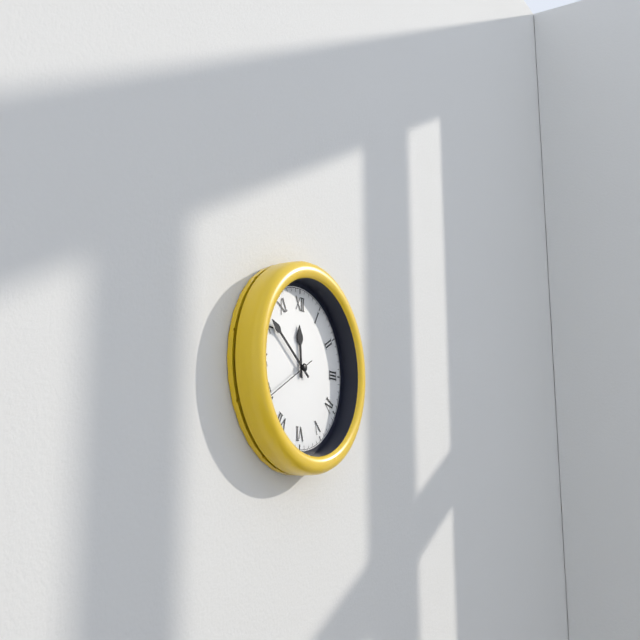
11:51:40
